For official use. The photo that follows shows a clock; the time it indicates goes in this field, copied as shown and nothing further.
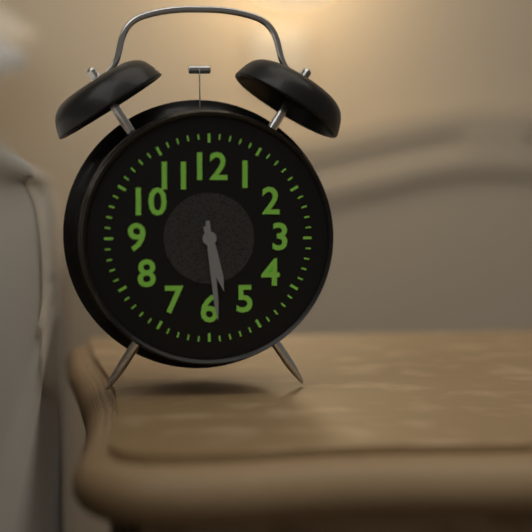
5:29
